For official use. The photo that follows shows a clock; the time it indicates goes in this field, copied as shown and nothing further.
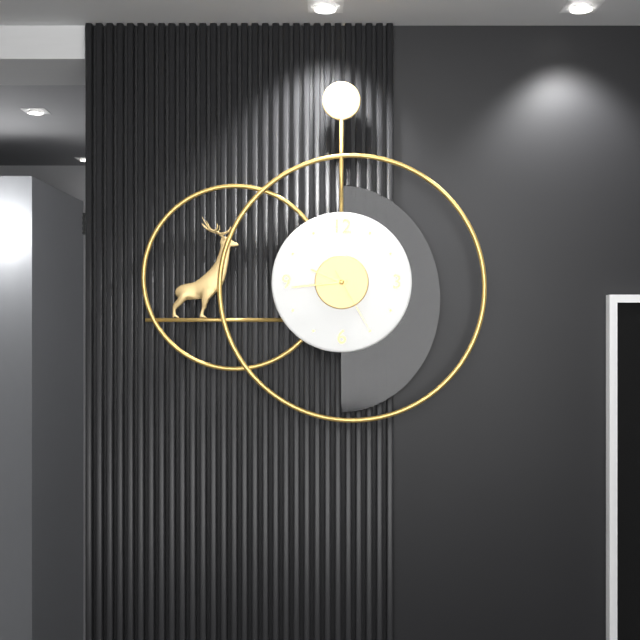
9:44:25
